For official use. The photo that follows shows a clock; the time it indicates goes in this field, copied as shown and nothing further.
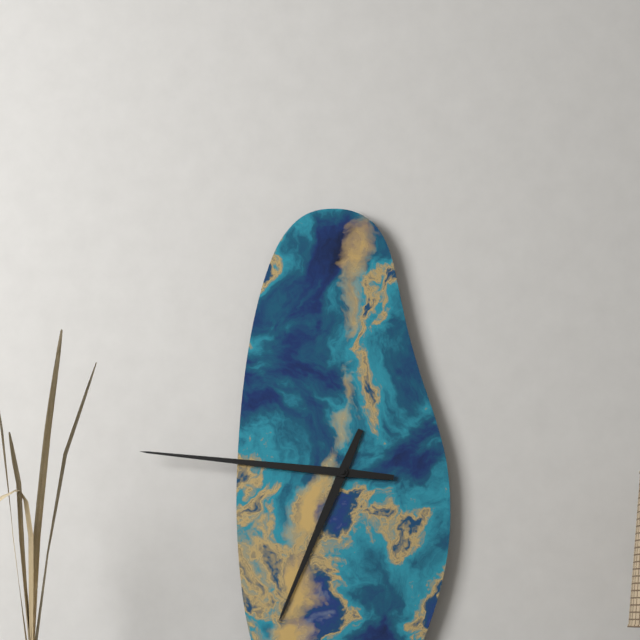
6:46
